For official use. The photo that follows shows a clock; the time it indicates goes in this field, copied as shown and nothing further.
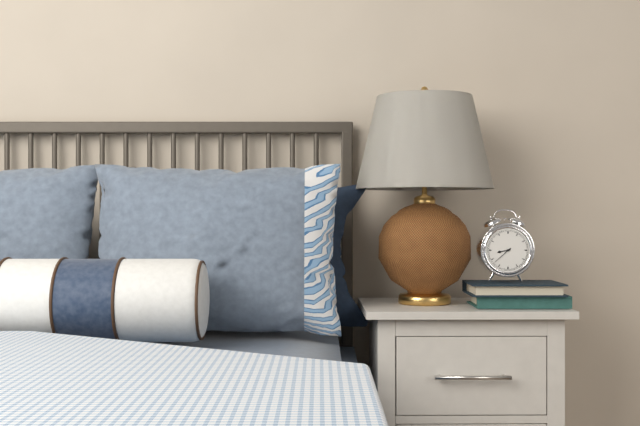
8:38
